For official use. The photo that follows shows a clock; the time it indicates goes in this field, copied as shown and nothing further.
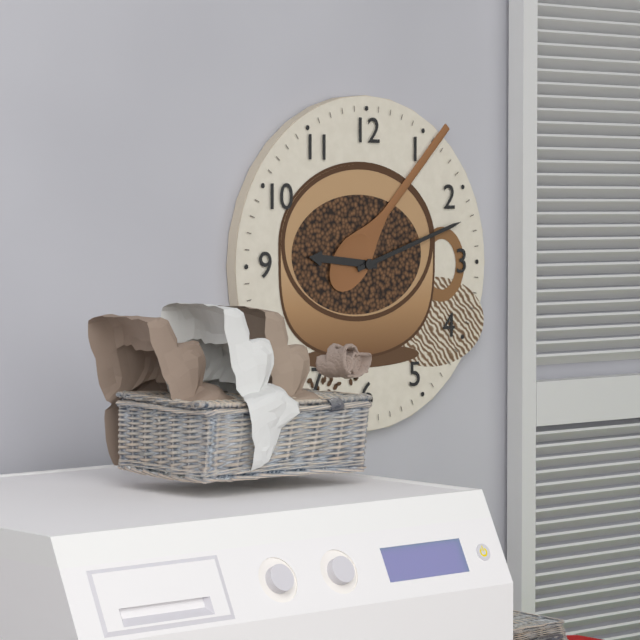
9:12
